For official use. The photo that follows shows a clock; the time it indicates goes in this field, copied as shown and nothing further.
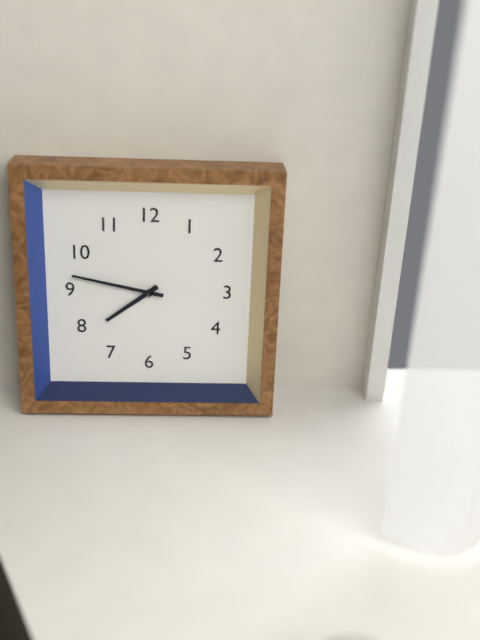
7:47
